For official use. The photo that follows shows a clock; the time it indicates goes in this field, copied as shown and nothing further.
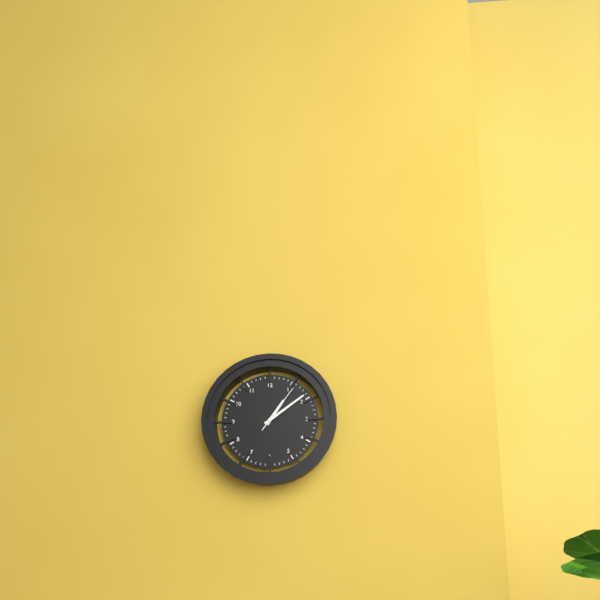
1:09
